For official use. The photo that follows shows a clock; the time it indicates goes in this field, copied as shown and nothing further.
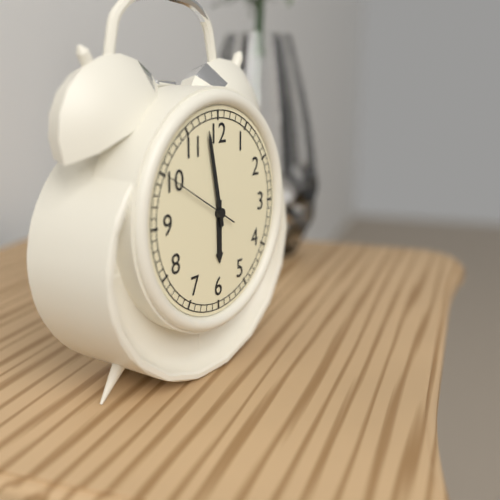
5:58:50
